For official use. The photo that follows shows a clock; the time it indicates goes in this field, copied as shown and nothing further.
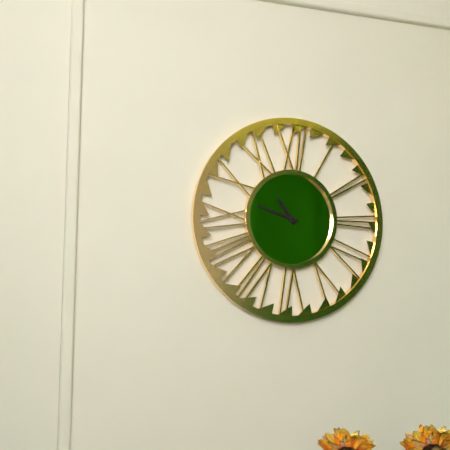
10:48
